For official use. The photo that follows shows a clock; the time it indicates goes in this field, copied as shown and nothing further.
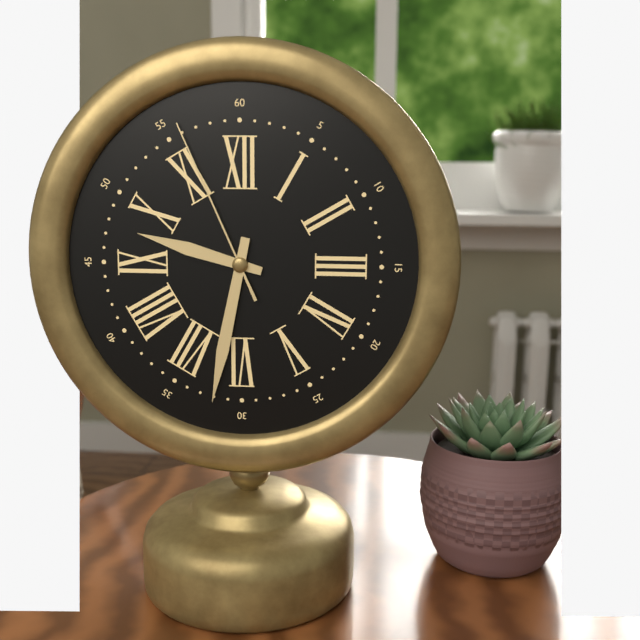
9:32:56
